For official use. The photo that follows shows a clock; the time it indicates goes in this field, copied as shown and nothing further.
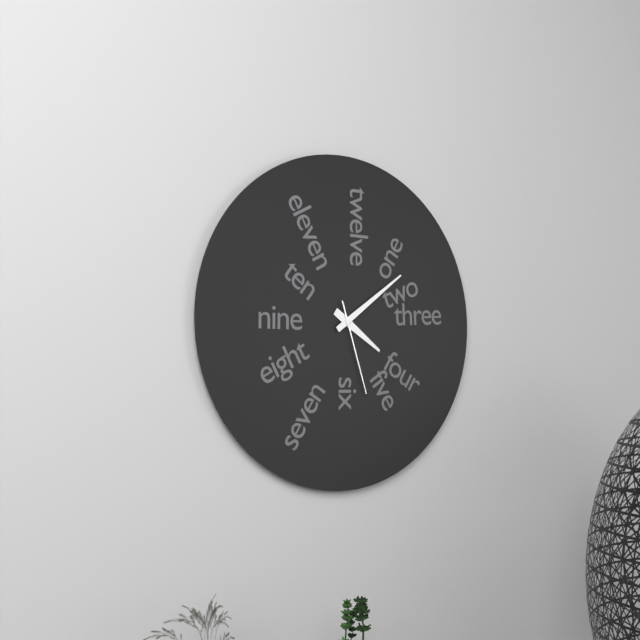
4:09:27
